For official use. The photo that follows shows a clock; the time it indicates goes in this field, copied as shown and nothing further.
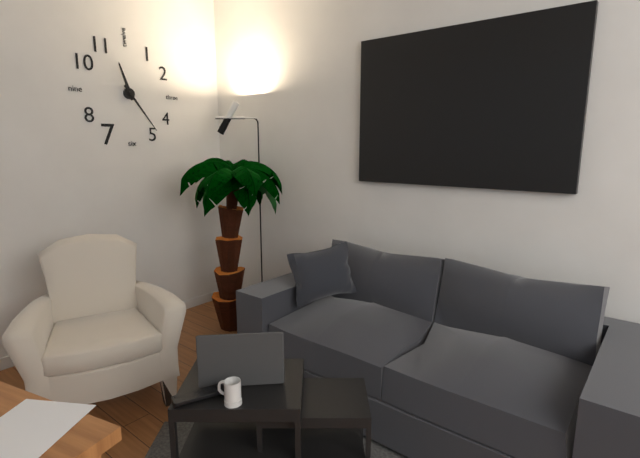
11:24
